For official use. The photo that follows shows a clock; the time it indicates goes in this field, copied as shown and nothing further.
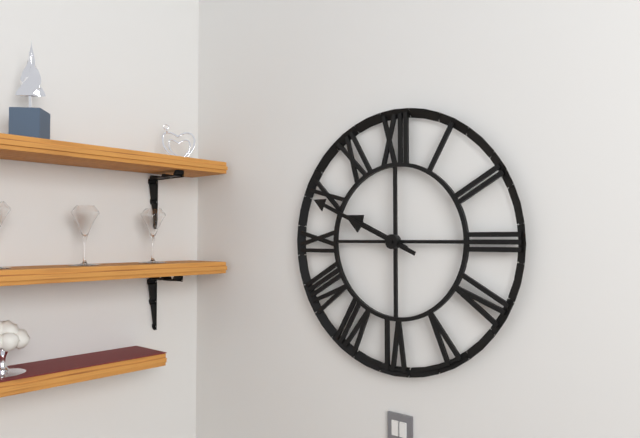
9:49
